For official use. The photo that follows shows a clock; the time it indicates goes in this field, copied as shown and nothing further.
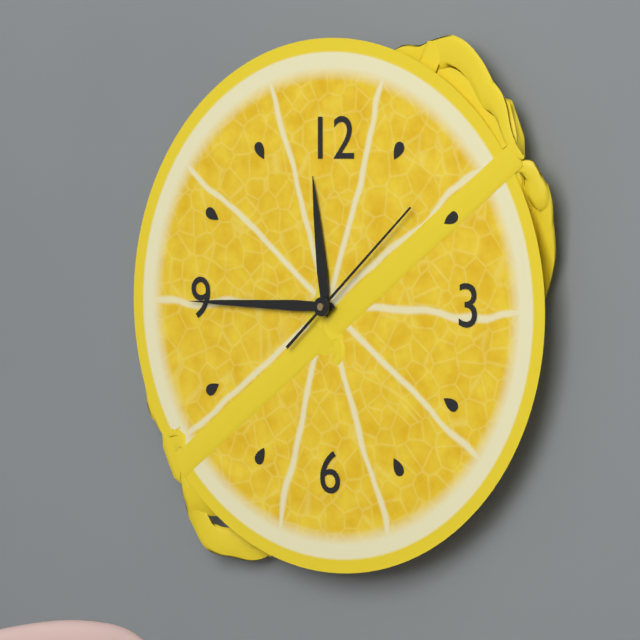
11:45:08
